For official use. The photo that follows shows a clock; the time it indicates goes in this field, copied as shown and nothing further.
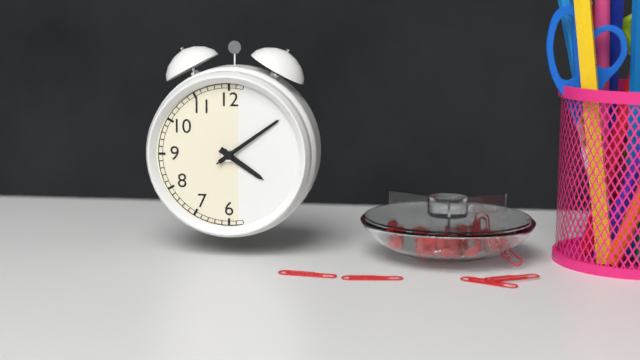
4:09:09
